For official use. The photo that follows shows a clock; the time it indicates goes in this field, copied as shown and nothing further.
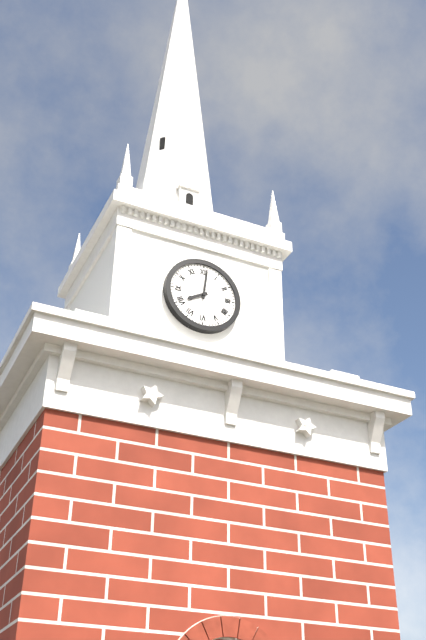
8:01
